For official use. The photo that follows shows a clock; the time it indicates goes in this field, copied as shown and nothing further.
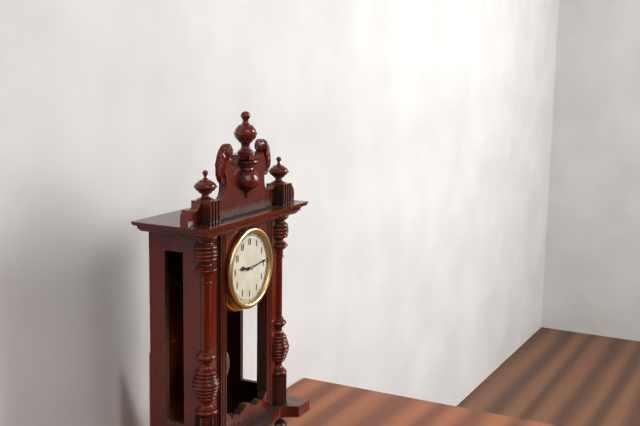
9:14
